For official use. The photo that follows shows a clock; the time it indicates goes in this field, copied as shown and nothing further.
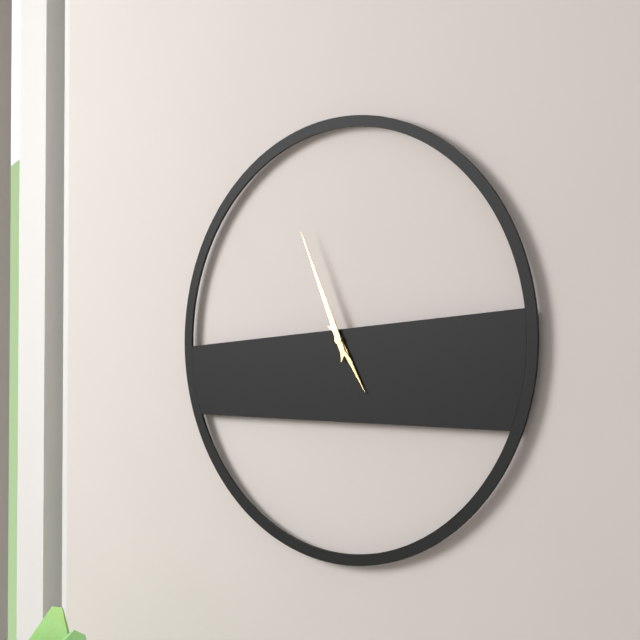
4:56
